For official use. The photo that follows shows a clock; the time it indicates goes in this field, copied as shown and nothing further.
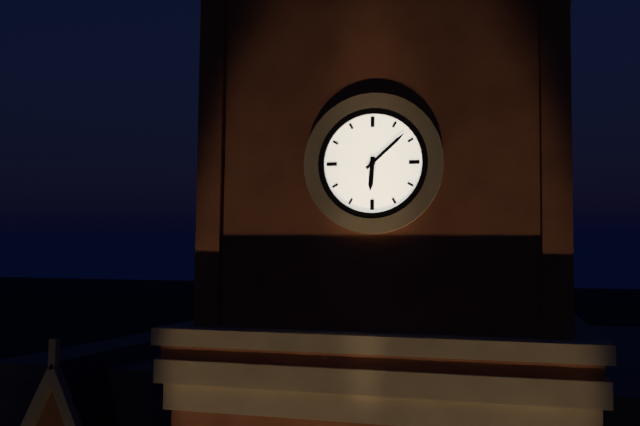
6:08
